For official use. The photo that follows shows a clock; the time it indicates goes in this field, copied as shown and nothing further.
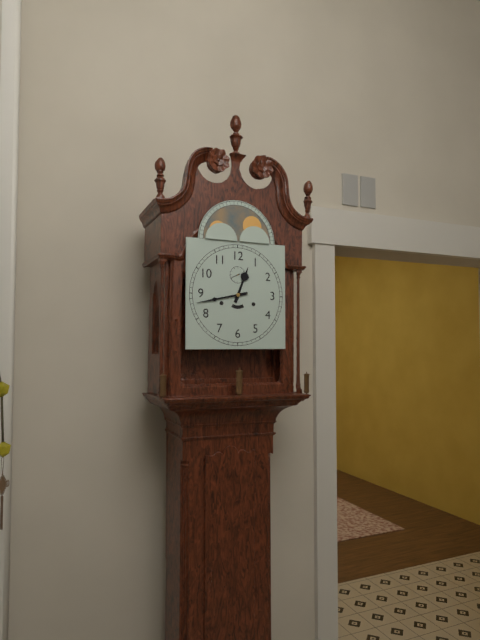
12:43
